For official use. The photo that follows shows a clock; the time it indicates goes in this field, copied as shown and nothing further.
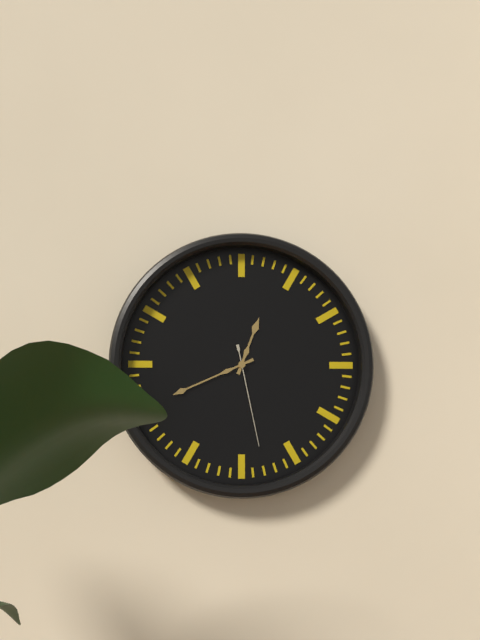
12:41:28
